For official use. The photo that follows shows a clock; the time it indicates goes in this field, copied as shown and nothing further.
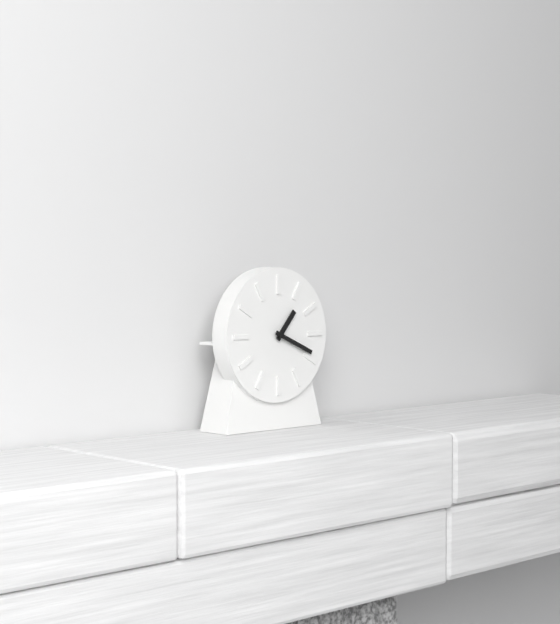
1:19
